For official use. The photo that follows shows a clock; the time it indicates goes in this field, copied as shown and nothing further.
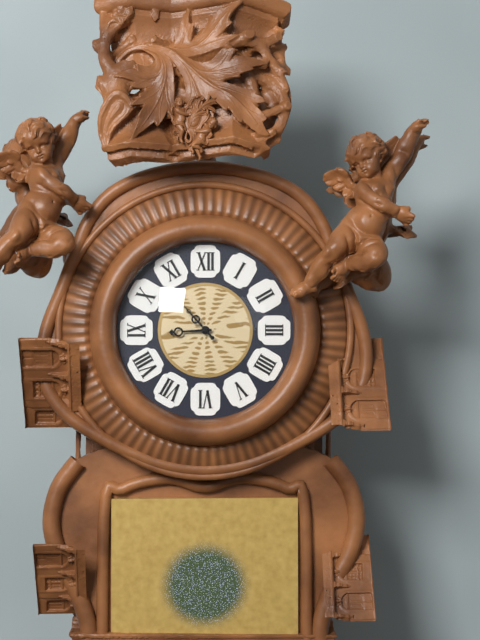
8:53
